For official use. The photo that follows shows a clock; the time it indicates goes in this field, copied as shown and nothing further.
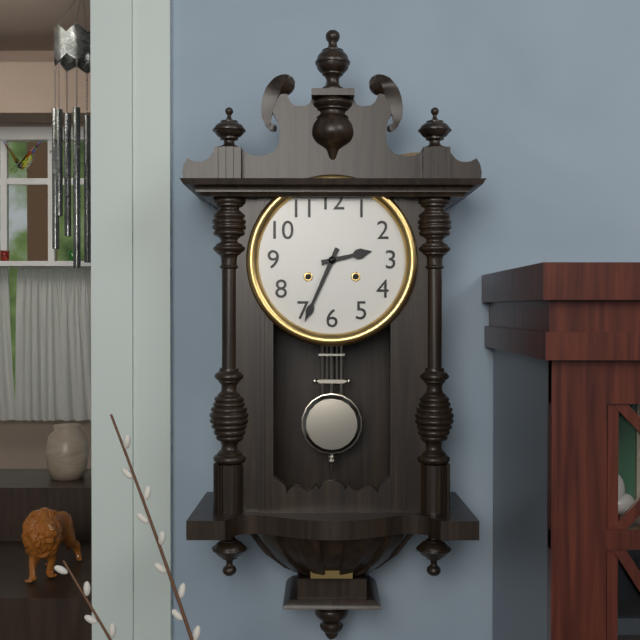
2:34
